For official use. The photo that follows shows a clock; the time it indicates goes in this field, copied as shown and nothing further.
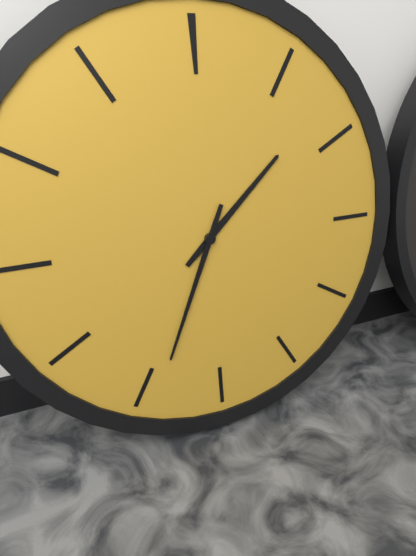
1:34
